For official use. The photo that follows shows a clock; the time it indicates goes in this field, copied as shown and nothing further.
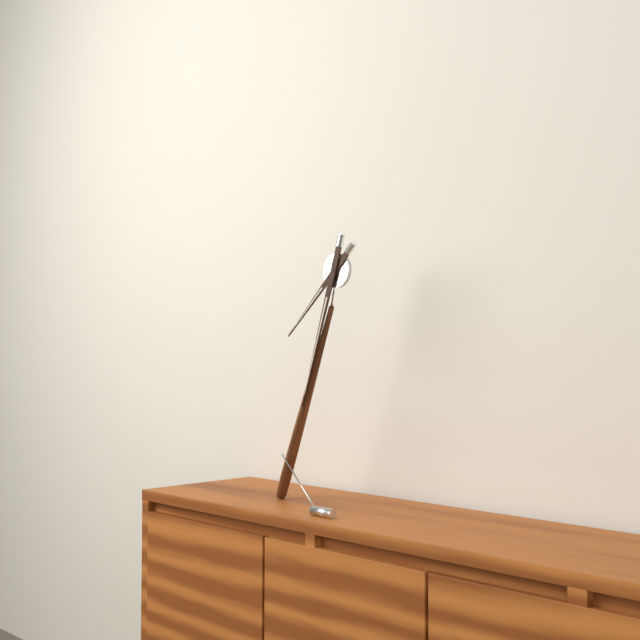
7:33
